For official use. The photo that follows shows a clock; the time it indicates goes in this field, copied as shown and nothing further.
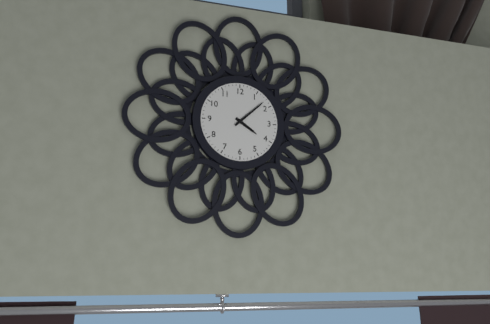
4:08
